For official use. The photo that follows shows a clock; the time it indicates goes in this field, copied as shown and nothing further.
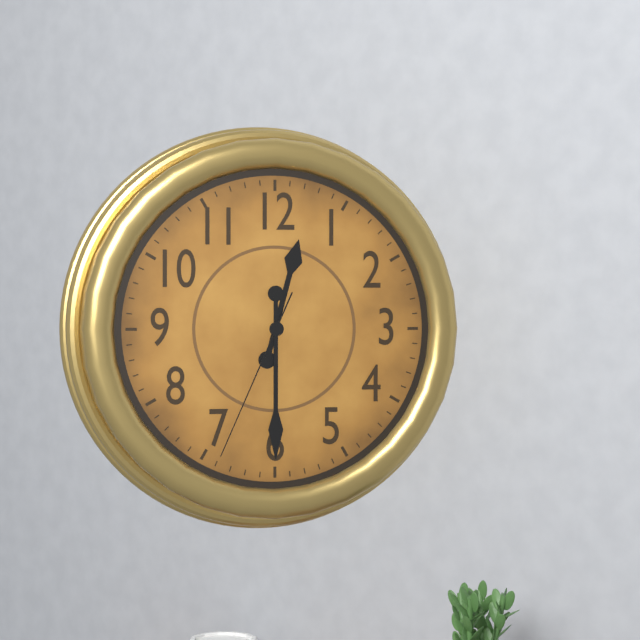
12:30:34
